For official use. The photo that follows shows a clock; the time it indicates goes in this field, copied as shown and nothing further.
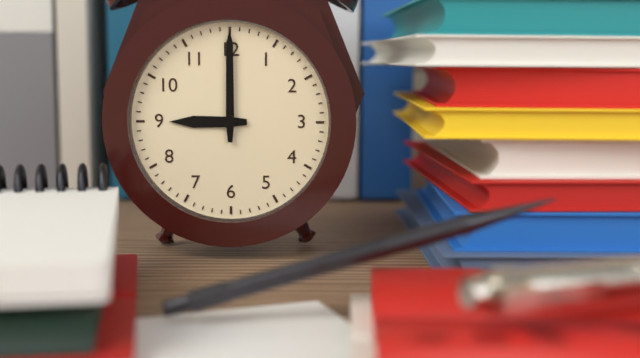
9:00
